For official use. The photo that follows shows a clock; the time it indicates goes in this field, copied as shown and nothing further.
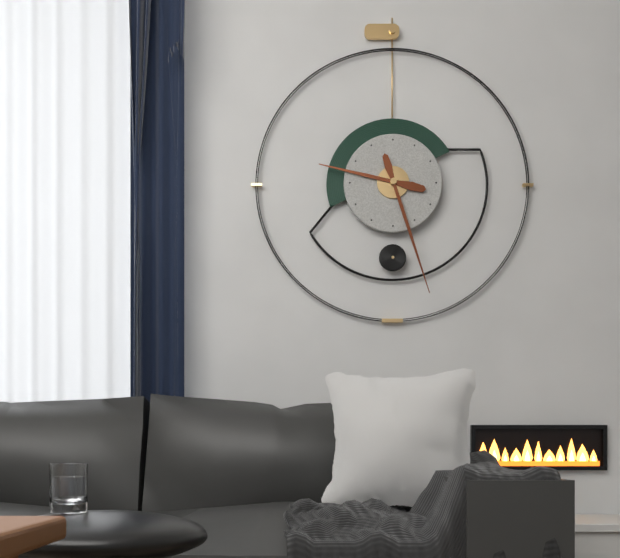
9:27
